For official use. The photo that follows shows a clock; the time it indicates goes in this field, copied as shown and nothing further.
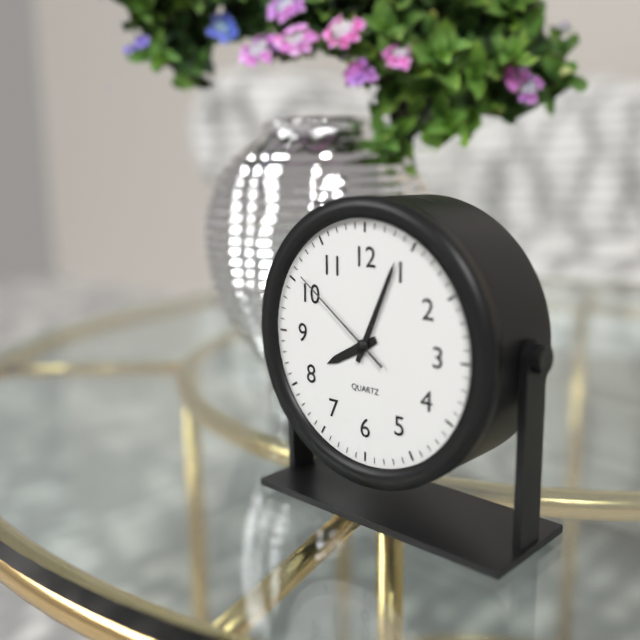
8:04:51
